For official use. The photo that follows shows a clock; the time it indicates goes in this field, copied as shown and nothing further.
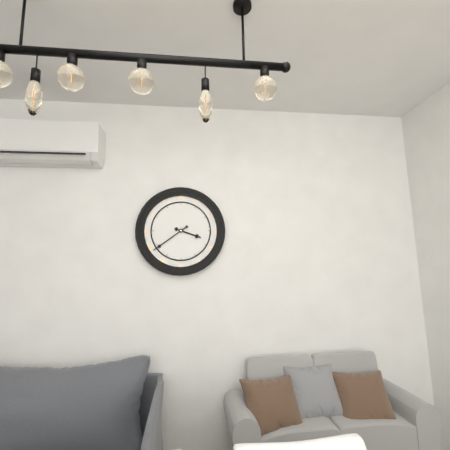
3:39
